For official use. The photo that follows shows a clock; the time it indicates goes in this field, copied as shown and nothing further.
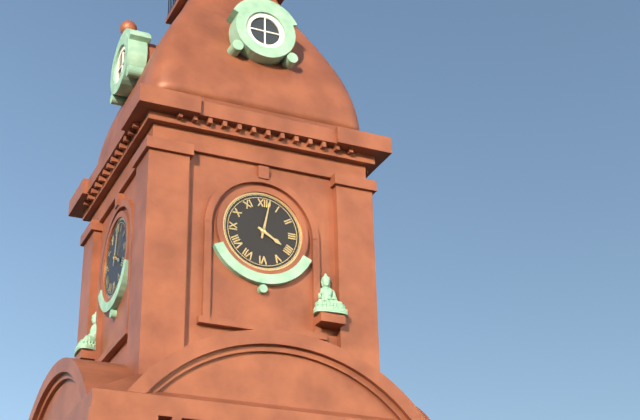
4:02
